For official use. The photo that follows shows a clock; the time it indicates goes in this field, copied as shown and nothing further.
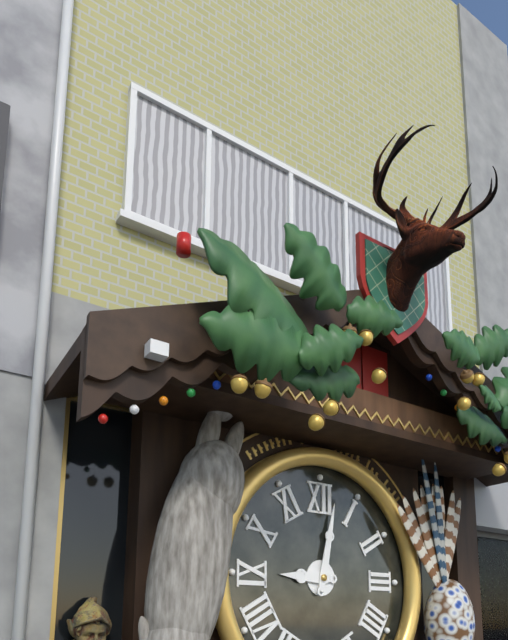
9:02
